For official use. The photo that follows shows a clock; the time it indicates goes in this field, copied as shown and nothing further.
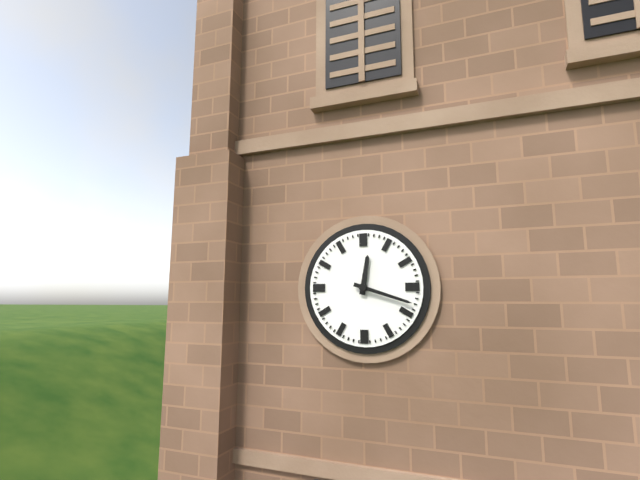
12:18
